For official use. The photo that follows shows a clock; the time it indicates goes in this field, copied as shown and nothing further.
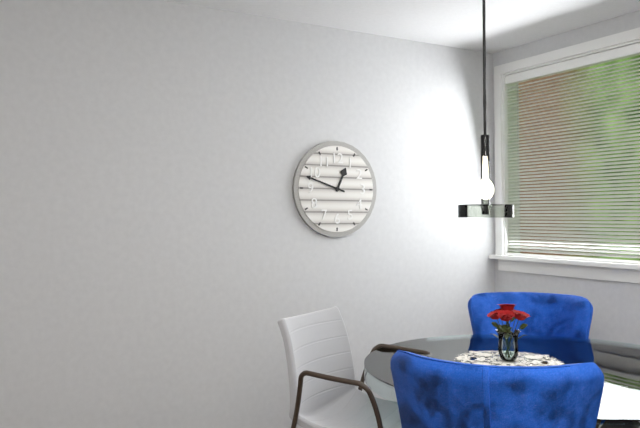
12:48
